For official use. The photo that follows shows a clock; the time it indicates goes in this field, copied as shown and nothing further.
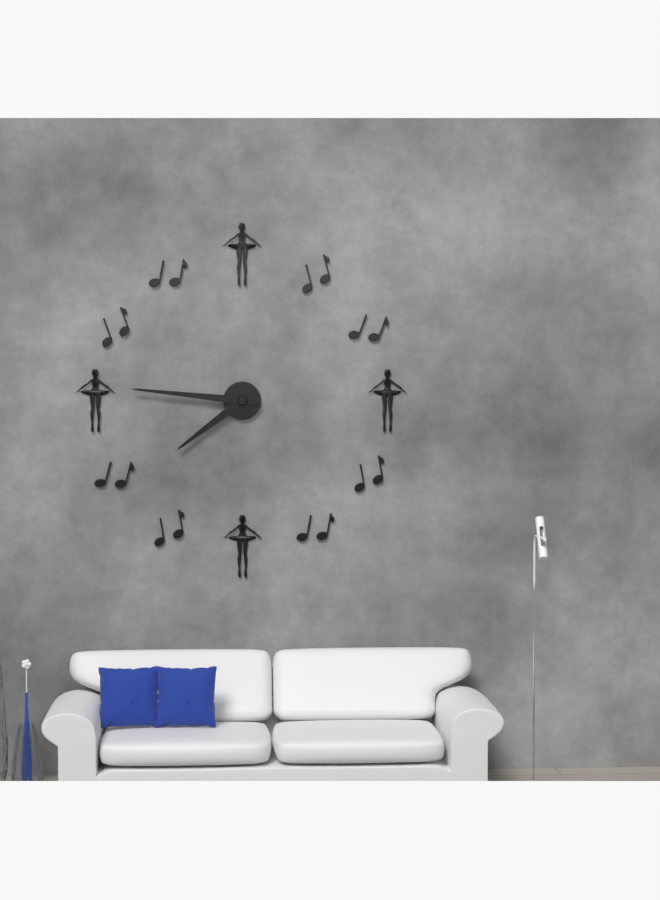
7:46
